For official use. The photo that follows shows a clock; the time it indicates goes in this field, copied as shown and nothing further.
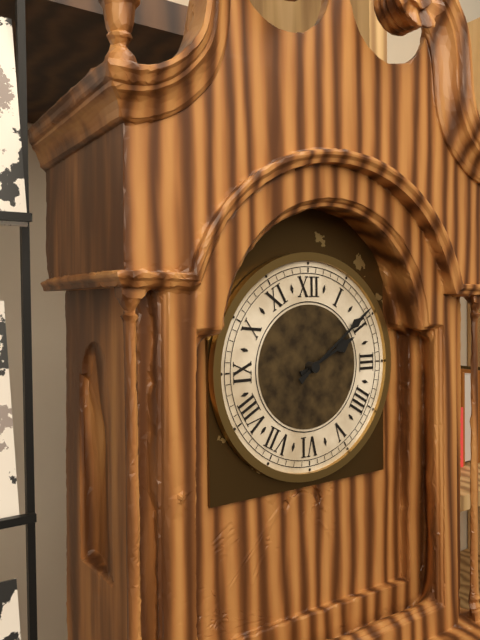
2:09
